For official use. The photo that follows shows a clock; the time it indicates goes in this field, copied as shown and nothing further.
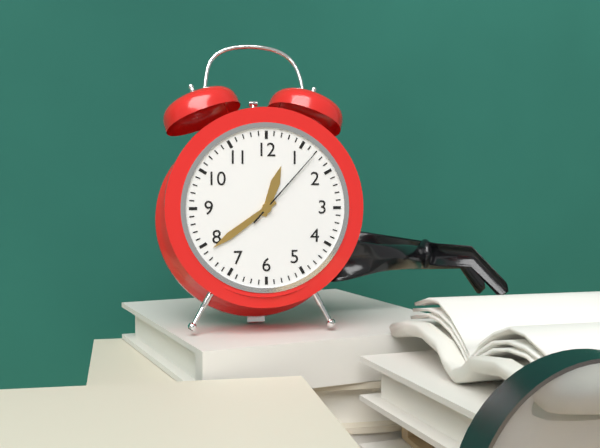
12:39:07
